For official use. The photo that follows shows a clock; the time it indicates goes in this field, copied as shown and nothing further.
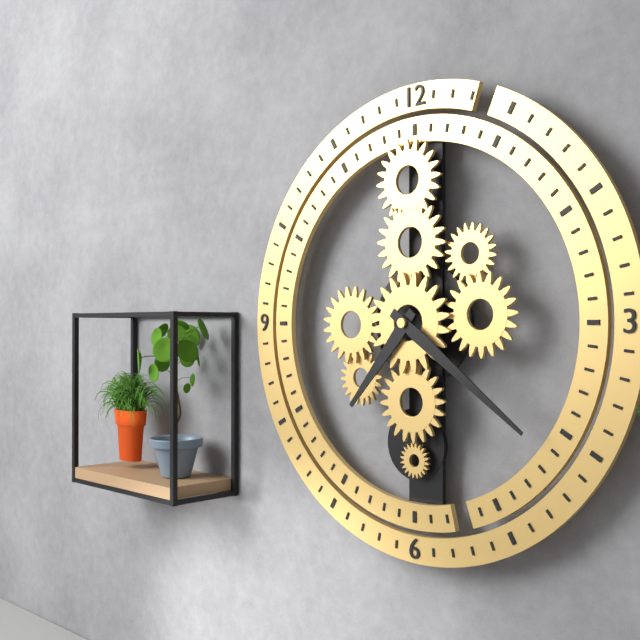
7:21
